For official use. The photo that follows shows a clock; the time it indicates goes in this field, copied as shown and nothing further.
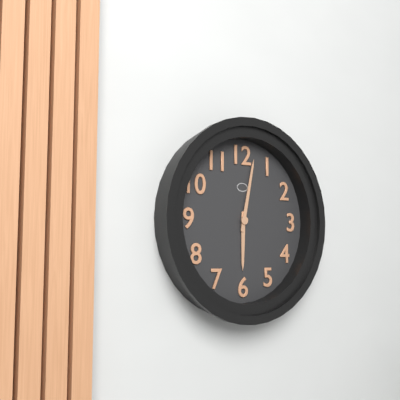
6:02
